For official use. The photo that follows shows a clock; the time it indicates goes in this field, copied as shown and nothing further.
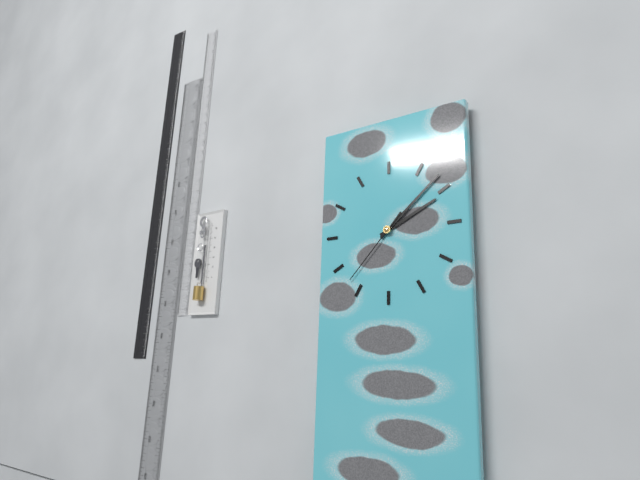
2:08:37
